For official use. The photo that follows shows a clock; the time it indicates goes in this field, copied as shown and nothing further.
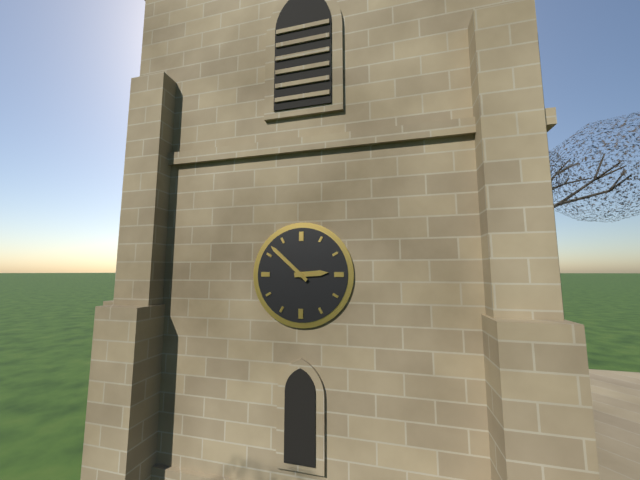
2:52
